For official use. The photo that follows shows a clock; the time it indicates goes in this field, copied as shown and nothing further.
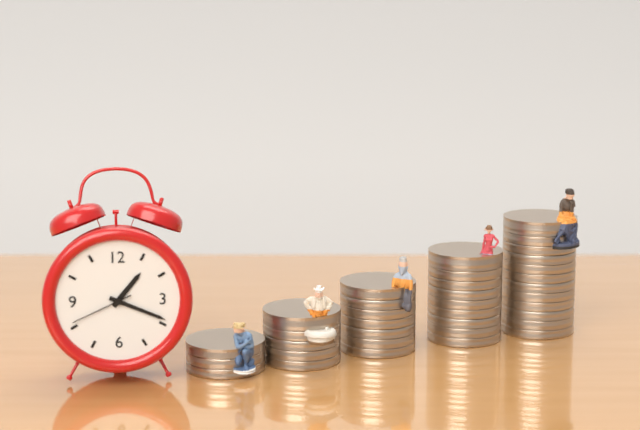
1:19:41
